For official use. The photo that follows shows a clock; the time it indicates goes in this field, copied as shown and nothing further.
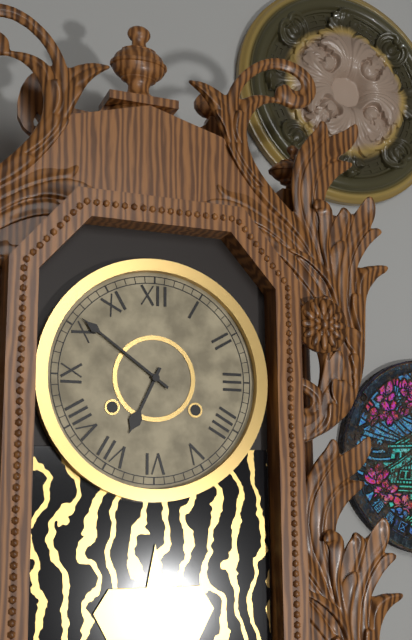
6:51
